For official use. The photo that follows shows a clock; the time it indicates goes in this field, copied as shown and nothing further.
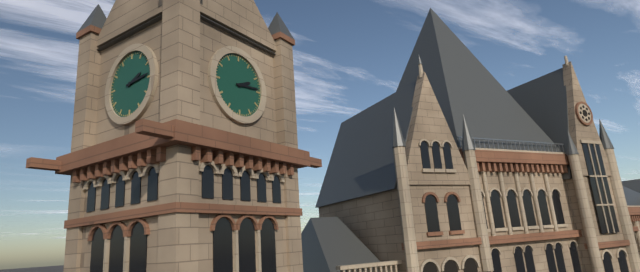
2:14
